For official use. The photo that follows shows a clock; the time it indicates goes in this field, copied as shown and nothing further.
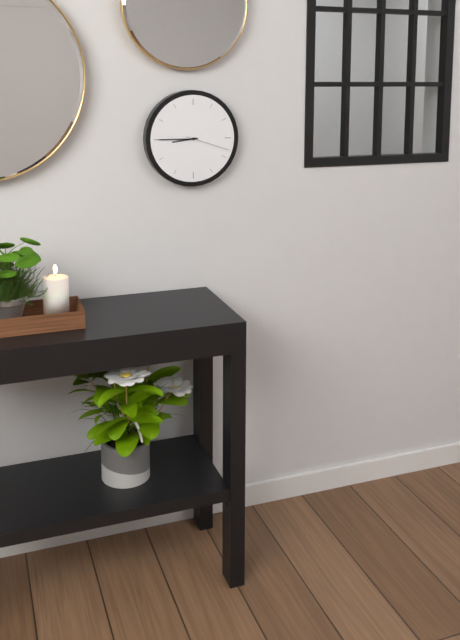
8:45
